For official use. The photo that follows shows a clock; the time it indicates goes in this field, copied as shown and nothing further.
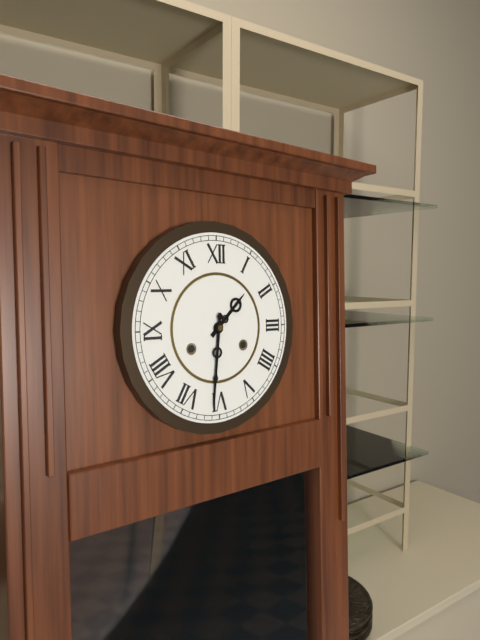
1:31
